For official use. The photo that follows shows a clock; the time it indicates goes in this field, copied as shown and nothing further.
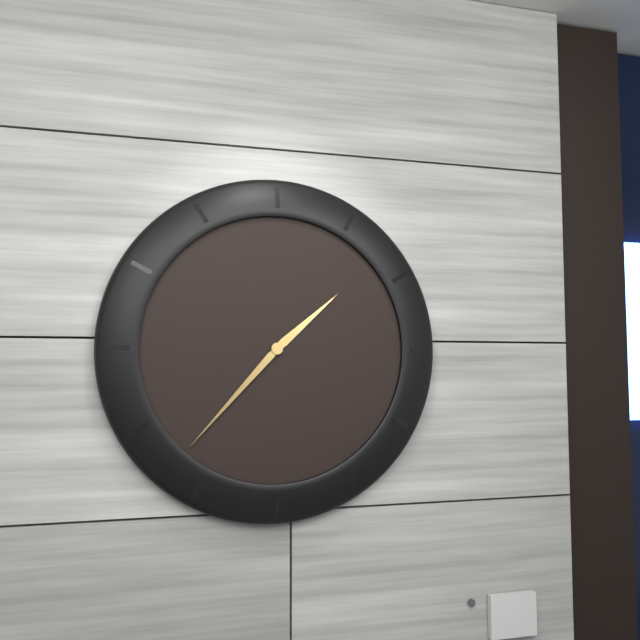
1:37
